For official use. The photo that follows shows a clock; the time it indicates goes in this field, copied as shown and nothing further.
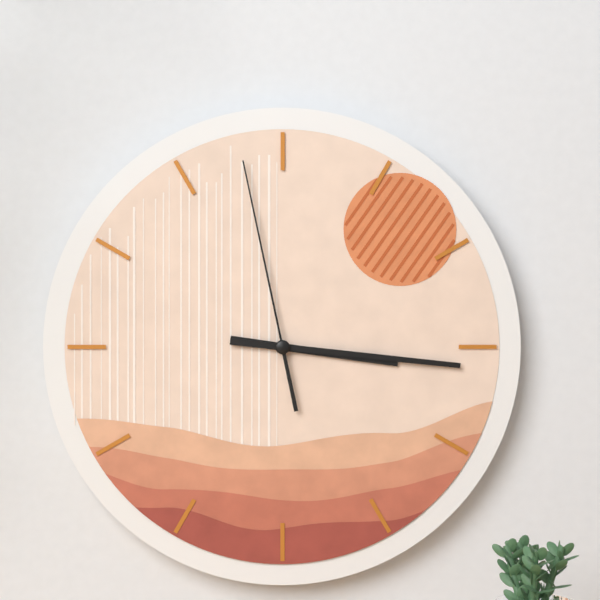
3:16:58
